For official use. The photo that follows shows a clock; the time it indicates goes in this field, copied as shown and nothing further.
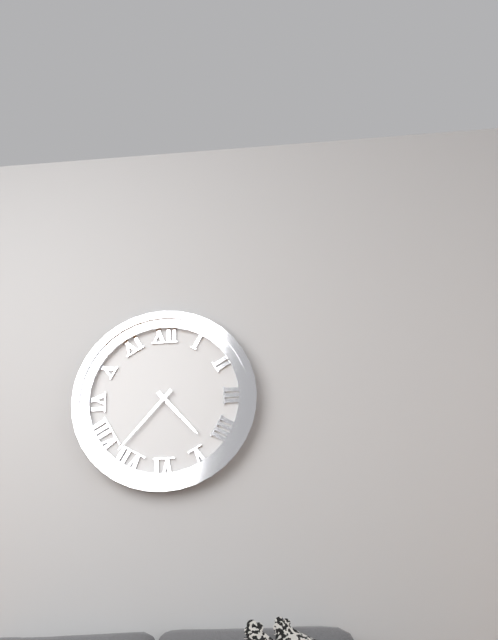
4:37
